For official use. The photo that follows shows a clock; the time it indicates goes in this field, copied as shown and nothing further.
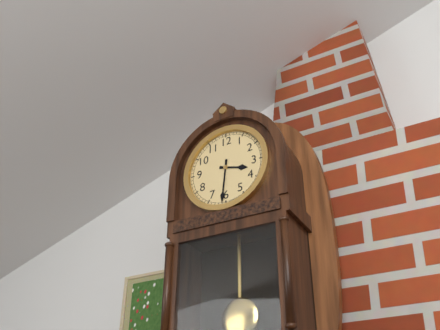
3:31
